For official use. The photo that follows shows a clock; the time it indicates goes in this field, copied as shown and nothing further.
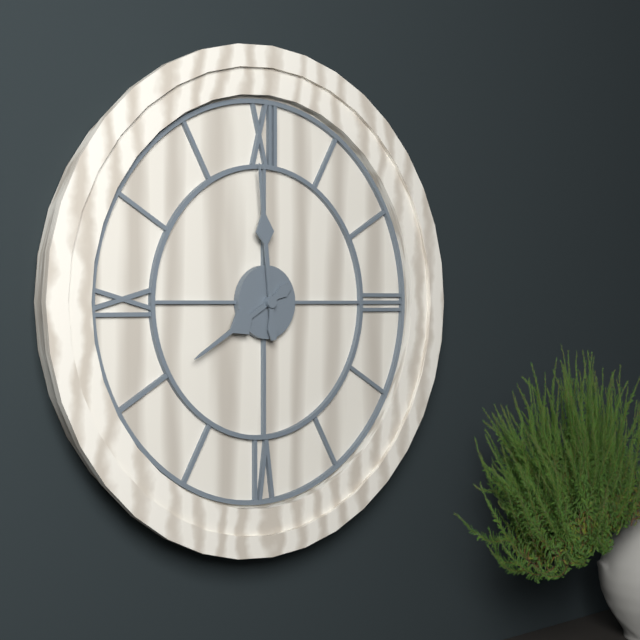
7:59
